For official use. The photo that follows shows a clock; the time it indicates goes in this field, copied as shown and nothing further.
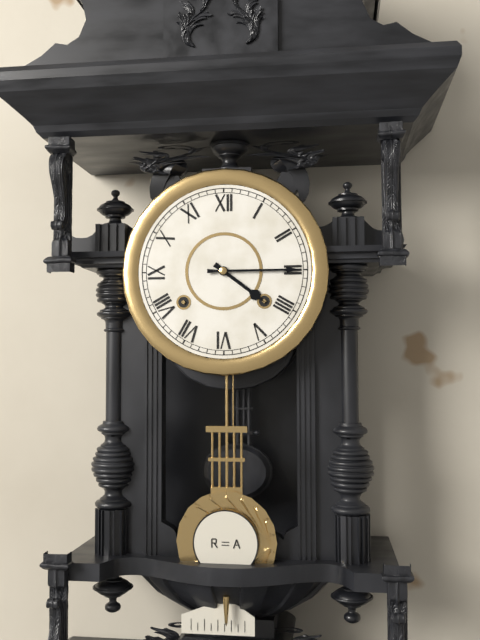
4:15
